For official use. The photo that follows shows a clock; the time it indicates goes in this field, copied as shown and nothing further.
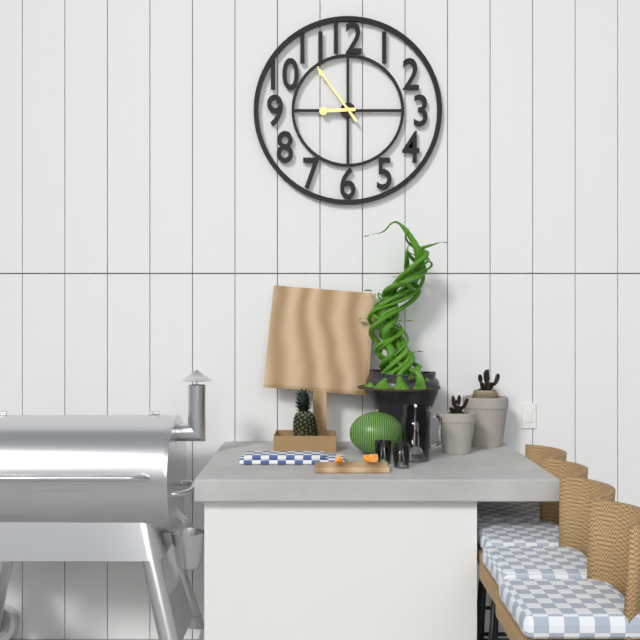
8:54
